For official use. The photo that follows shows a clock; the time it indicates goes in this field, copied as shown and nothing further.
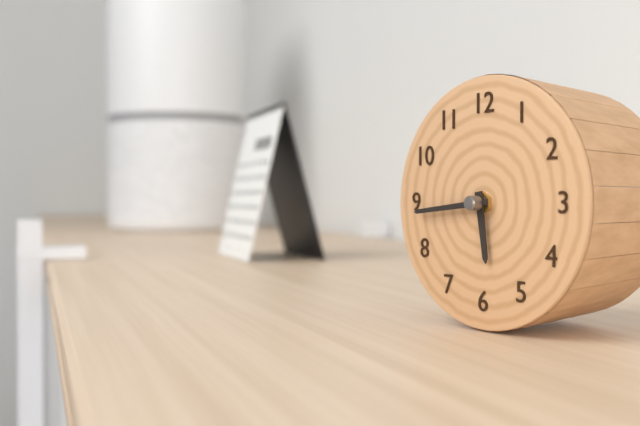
5:44
